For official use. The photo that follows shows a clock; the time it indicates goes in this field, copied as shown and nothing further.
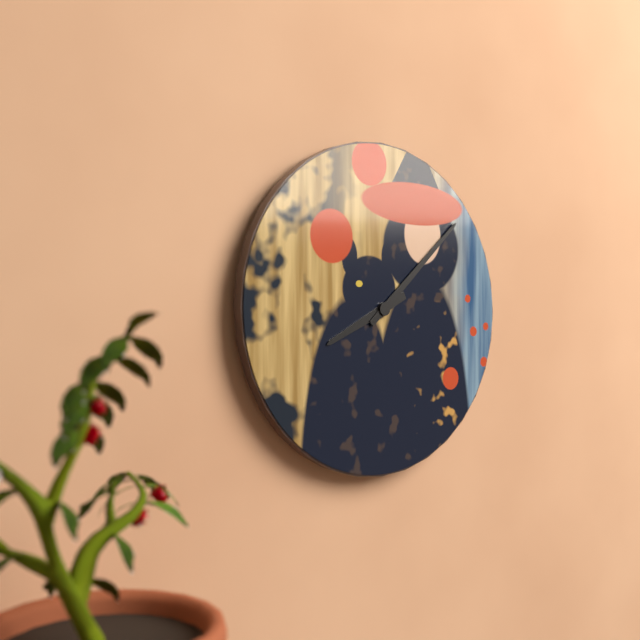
8:08
